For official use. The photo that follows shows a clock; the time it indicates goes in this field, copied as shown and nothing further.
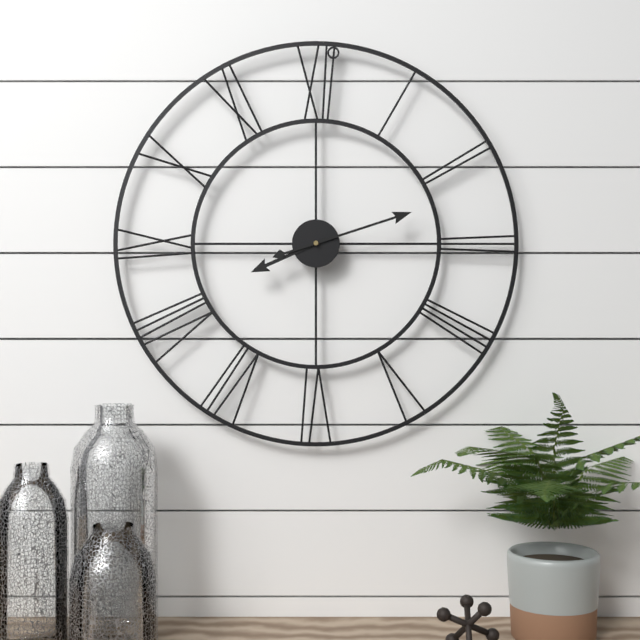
8:12
